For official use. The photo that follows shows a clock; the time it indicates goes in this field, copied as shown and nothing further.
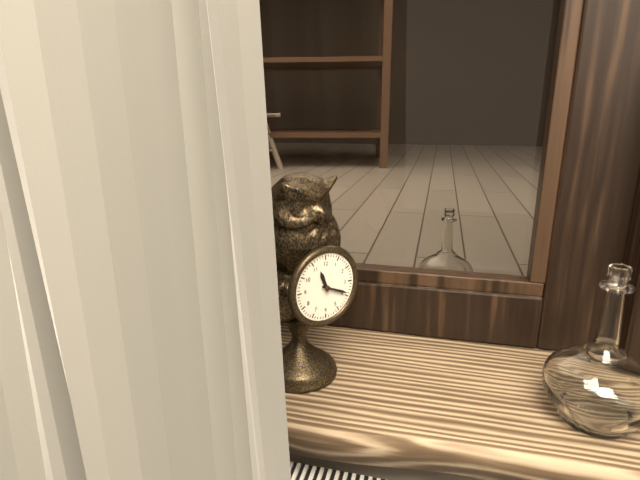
11:19
